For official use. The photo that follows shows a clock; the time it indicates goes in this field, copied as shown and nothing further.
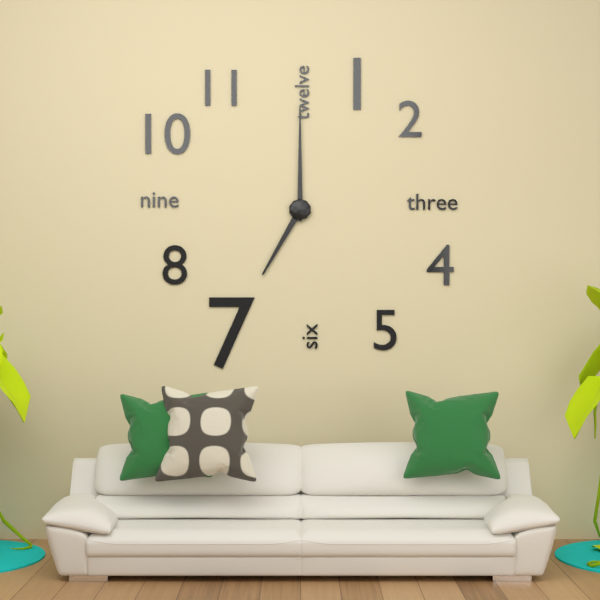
7:00
